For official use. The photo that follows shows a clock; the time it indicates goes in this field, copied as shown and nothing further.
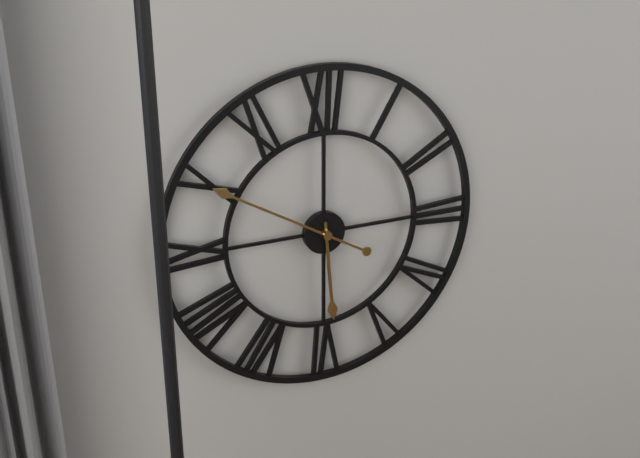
5:50
